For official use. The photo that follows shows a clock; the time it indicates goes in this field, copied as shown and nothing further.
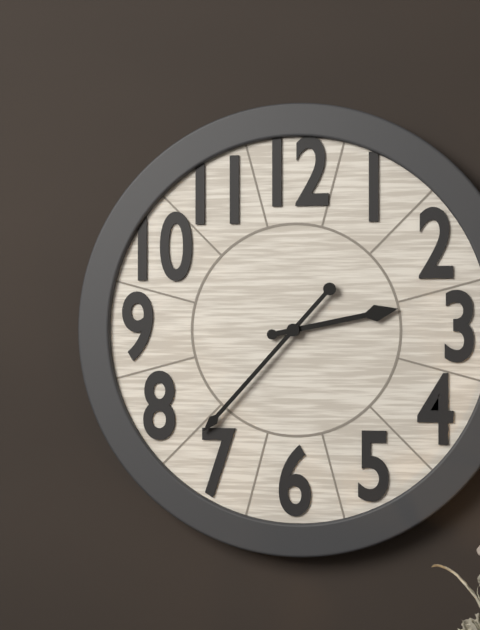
2:37
